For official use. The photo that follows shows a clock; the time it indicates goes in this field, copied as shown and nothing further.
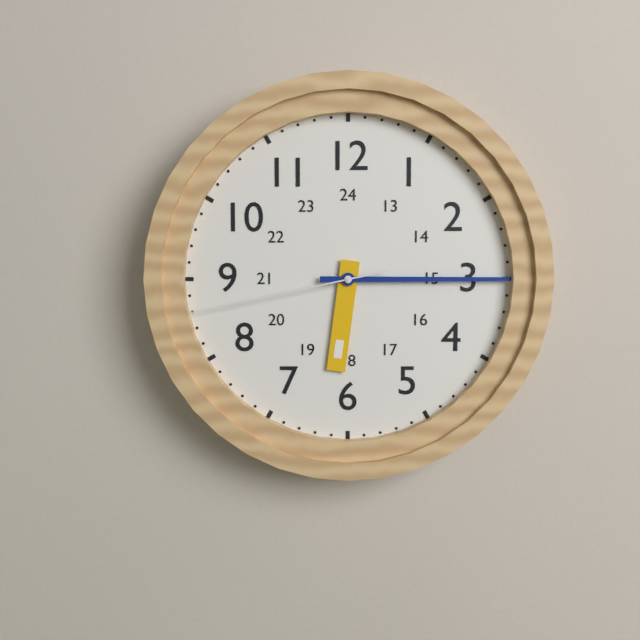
6:15:43
